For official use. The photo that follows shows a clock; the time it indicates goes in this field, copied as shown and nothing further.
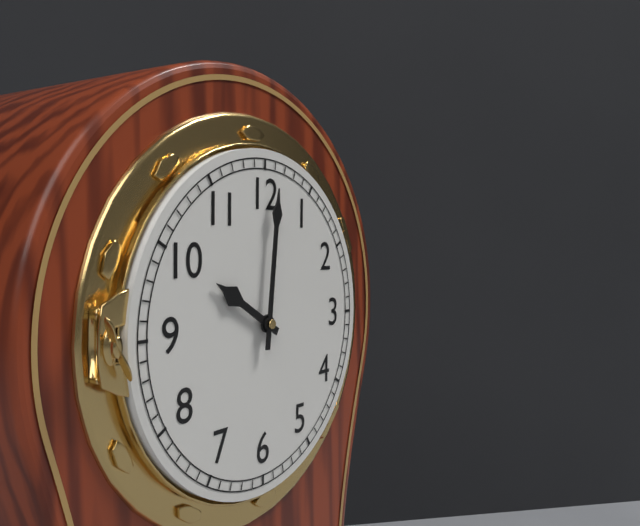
10:01
